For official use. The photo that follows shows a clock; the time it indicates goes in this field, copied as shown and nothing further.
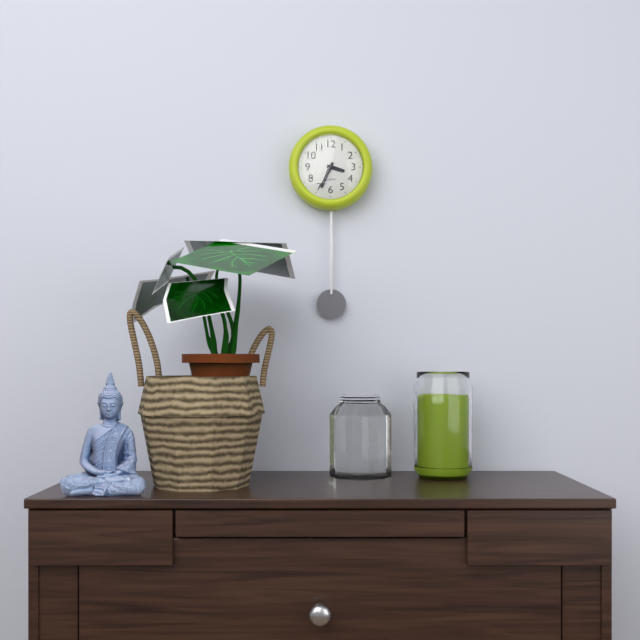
3:34
